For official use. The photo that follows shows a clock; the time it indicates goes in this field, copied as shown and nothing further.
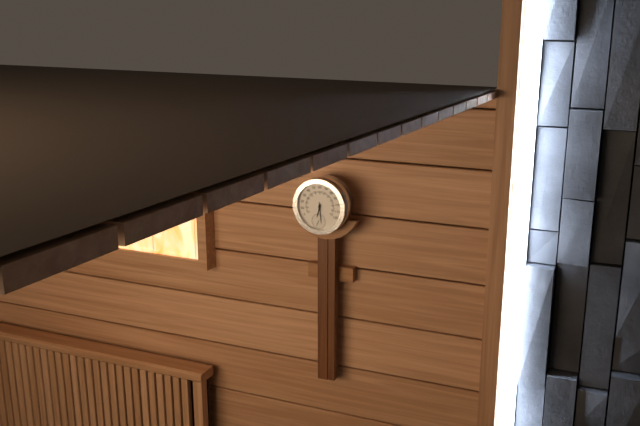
6:29
